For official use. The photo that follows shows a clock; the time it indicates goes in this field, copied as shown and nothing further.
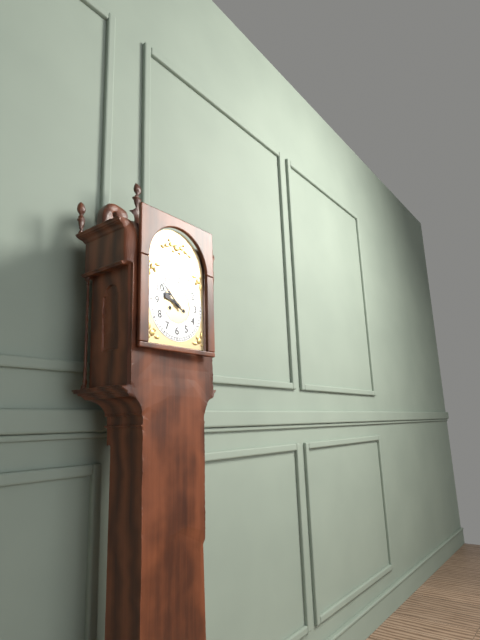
9:52
